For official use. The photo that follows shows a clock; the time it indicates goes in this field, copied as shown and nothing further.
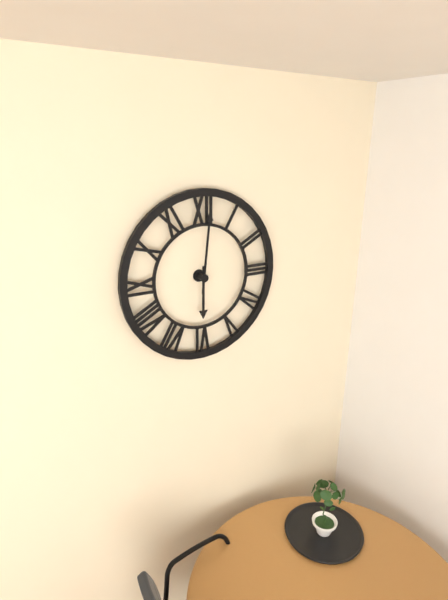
6:01
